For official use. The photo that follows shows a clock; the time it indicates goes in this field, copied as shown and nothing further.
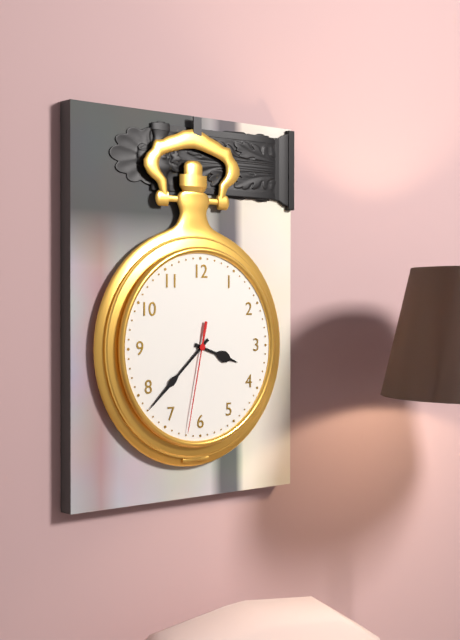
3:38:32
